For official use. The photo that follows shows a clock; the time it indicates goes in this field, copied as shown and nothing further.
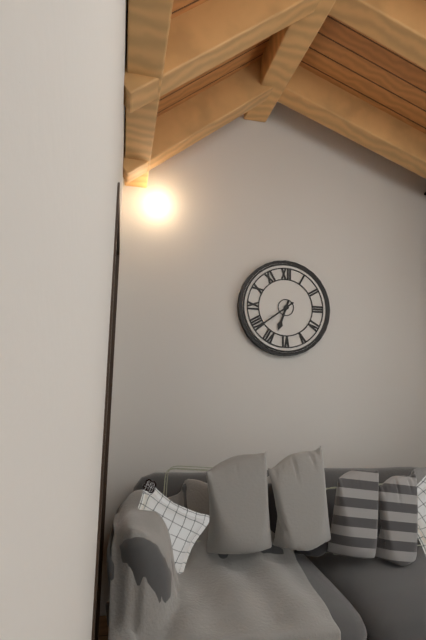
6:39
